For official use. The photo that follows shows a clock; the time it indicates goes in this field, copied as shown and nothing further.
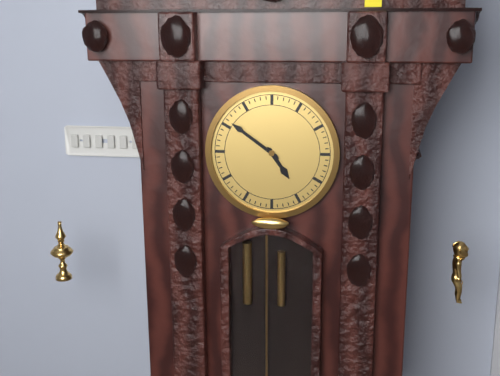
4:51
